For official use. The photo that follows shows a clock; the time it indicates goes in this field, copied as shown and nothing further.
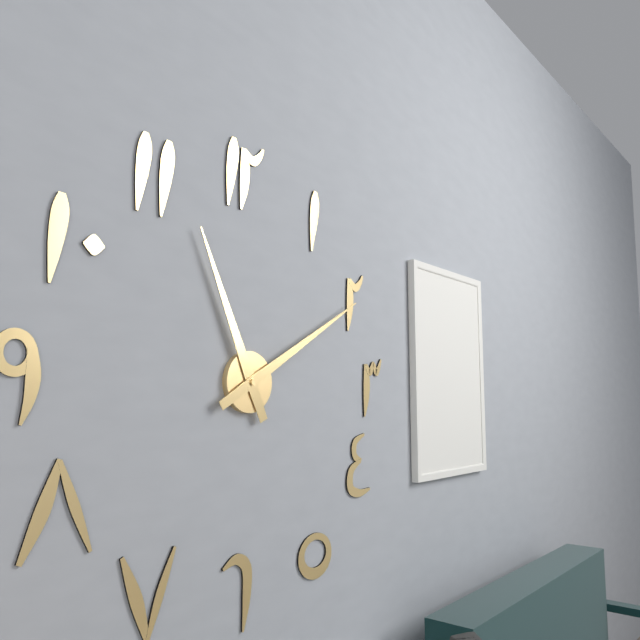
11:10
